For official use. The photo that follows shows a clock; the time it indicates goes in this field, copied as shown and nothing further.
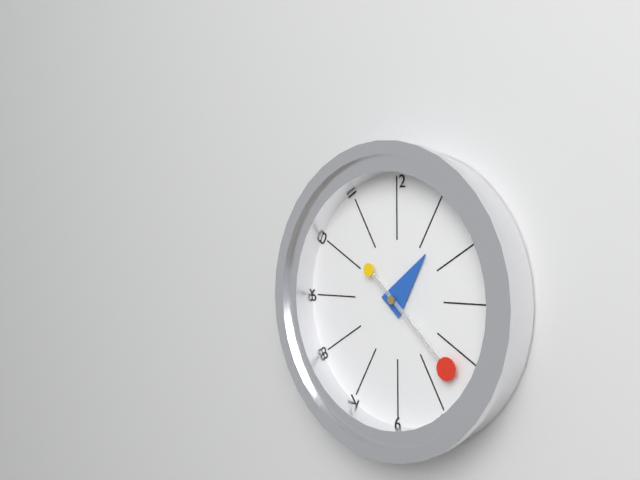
1:22
